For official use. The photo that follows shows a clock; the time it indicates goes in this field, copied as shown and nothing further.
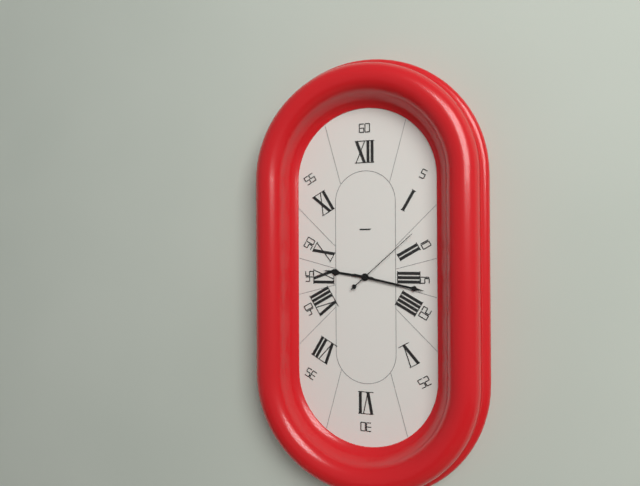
9:17:08
